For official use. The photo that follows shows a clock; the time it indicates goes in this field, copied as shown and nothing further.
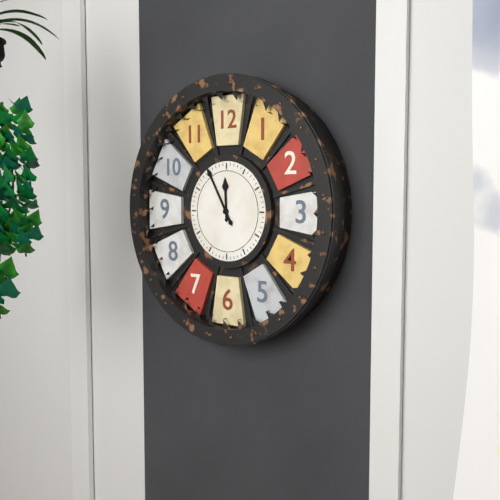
11:55
